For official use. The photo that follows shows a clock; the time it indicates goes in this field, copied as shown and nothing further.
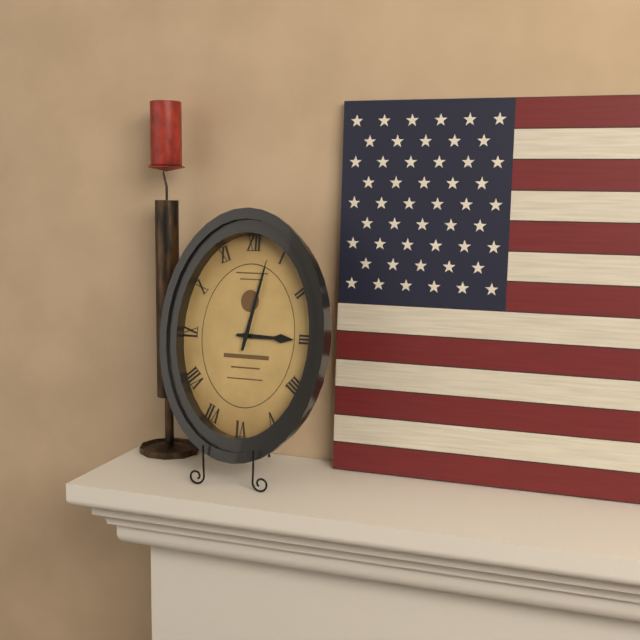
3:02
